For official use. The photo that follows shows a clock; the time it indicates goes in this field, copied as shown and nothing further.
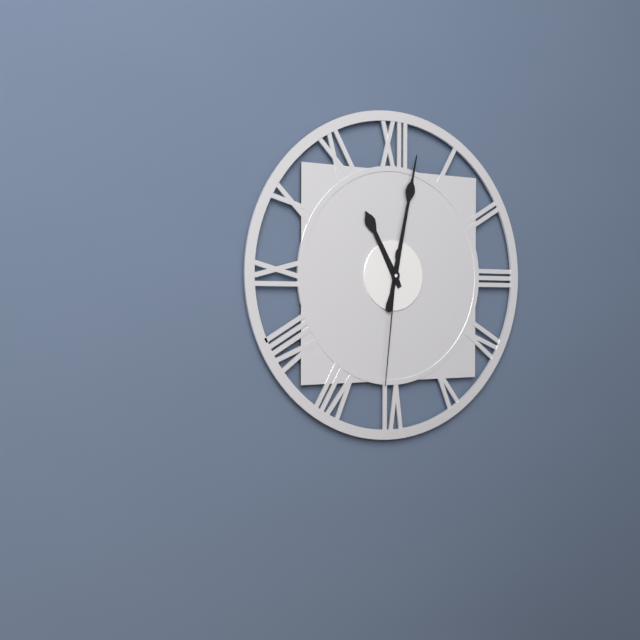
11:02:31
